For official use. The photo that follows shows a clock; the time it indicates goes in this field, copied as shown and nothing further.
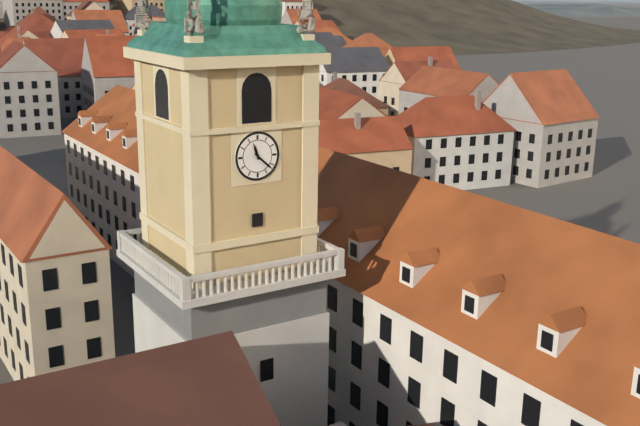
11:22
